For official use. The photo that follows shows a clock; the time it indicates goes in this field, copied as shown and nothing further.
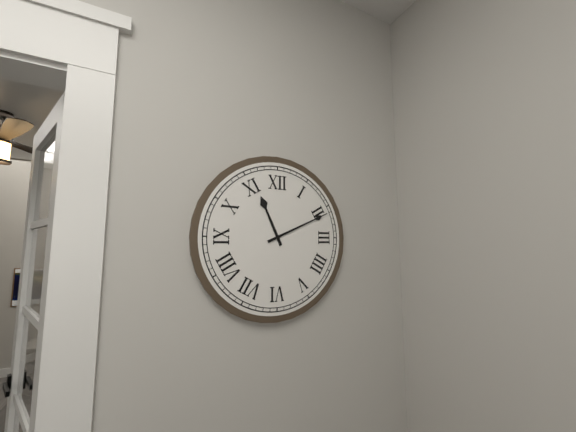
11:11
